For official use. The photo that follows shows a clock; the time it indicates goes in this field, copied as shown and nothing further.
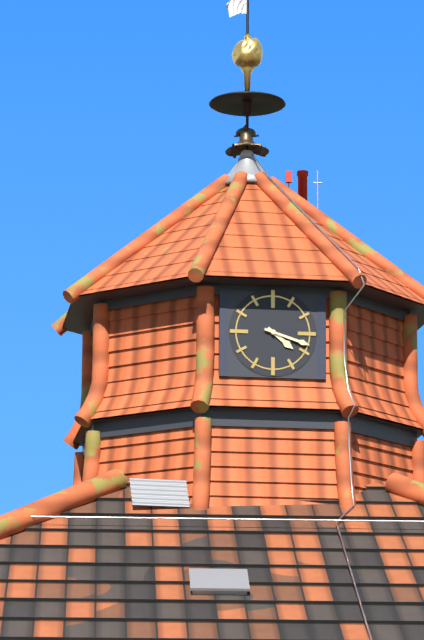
4:18
